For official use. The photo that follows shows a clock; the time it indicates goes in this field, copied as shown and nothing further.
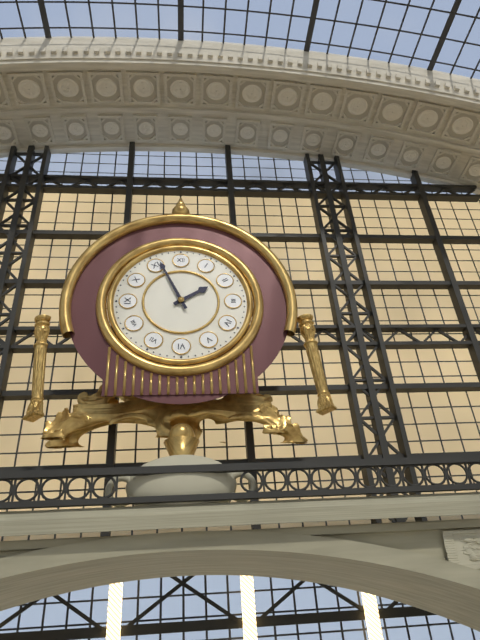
1:56
